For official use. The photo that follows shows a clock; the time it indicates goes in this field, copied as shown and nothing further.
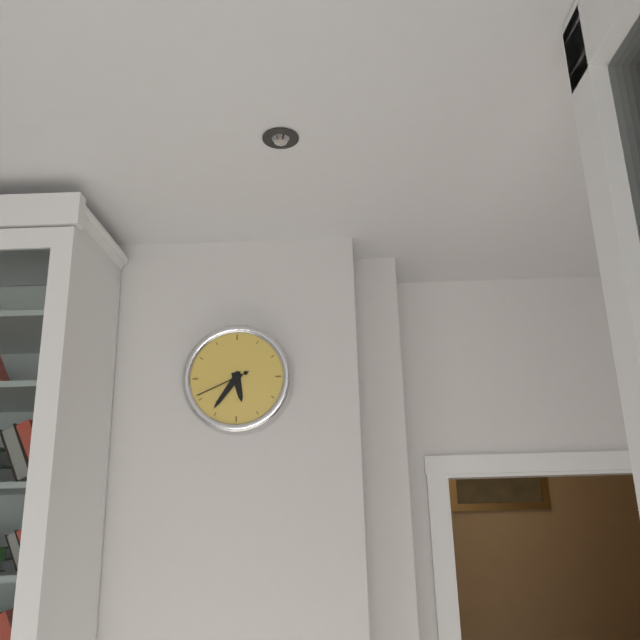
5:36:41
